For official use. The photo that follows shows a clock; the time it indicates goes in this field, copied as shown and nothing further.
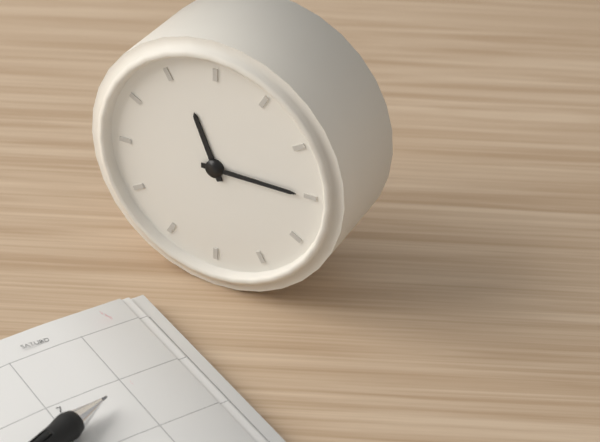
11:15
